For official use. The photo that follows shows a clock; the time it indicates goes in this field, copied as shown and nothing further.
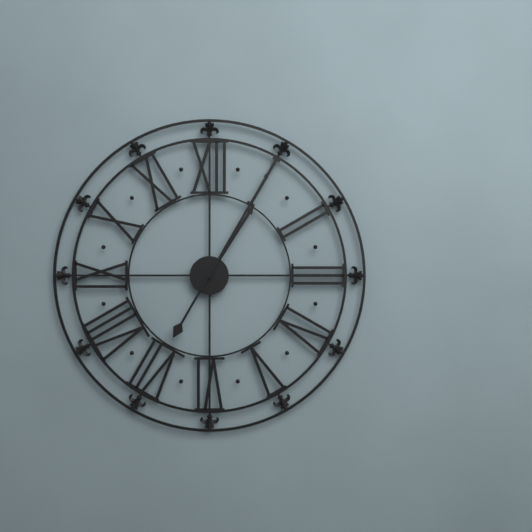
1:05
